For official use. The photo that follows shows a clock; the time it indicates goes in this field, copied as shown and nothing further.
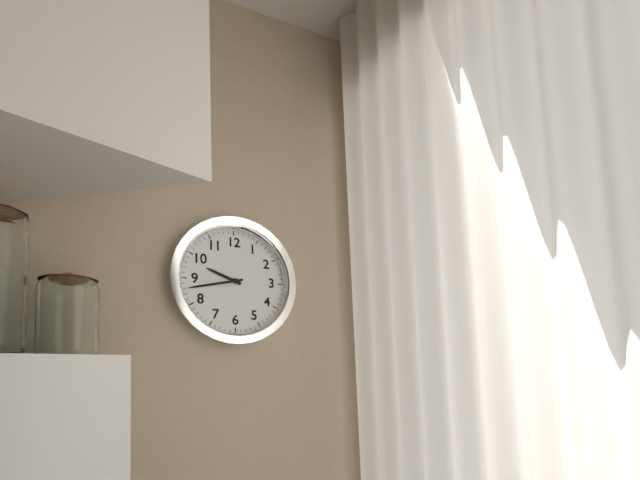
9:43
